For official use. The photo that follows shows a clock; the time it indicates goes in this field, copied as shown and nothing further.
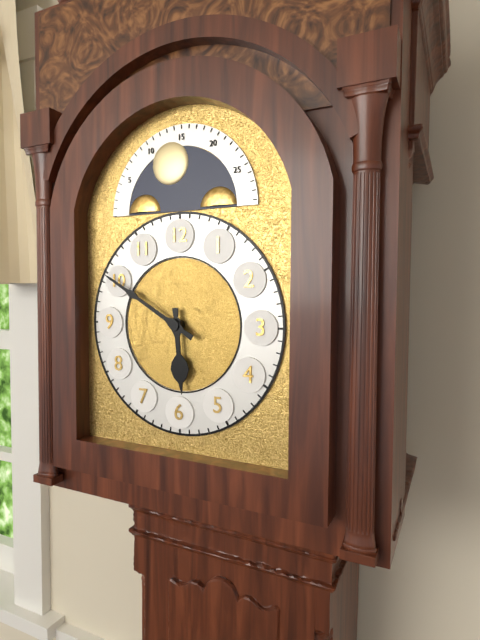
5:50
